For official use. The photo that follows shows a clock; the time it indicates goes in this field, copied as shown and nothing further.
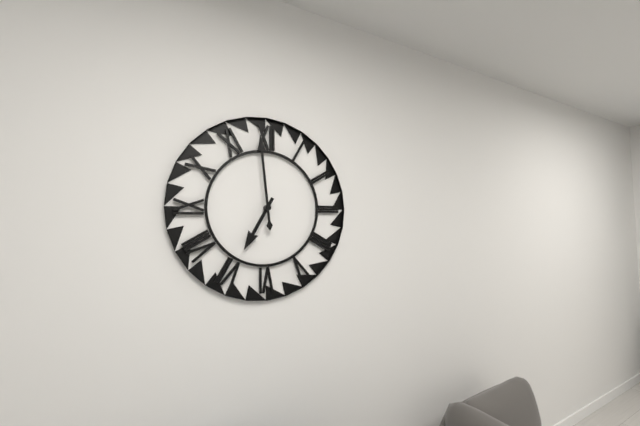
6:59
